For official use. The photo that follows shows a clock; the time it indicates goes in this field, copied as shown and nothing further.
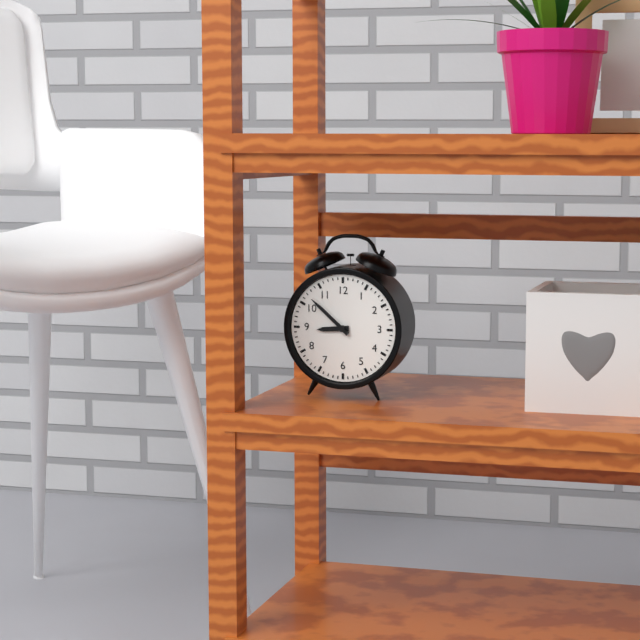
8:52
